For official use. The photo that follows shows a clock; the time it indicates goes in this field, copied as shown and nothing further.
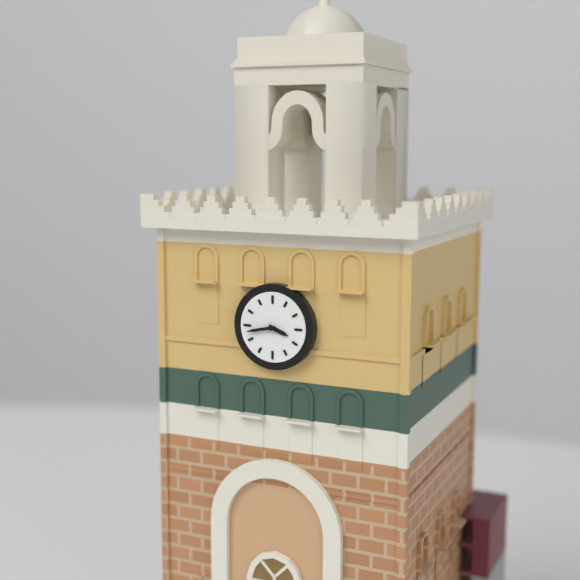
3:43
